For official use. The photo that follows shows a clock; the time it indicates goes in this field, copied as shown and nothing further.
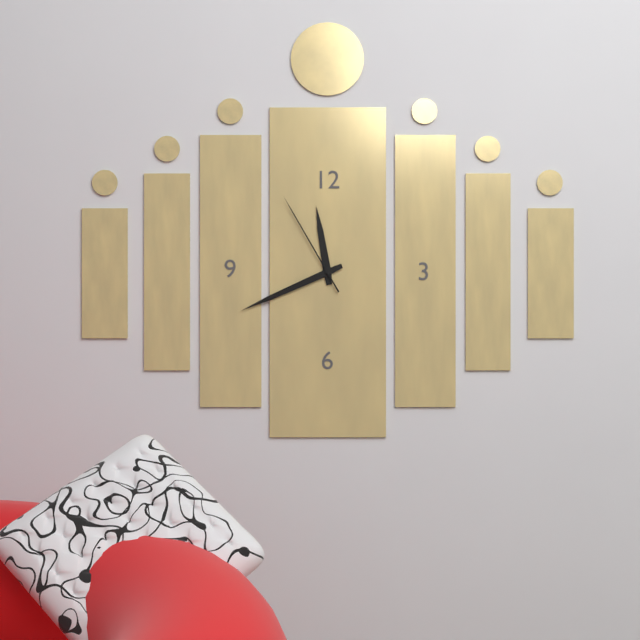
11:41:55
